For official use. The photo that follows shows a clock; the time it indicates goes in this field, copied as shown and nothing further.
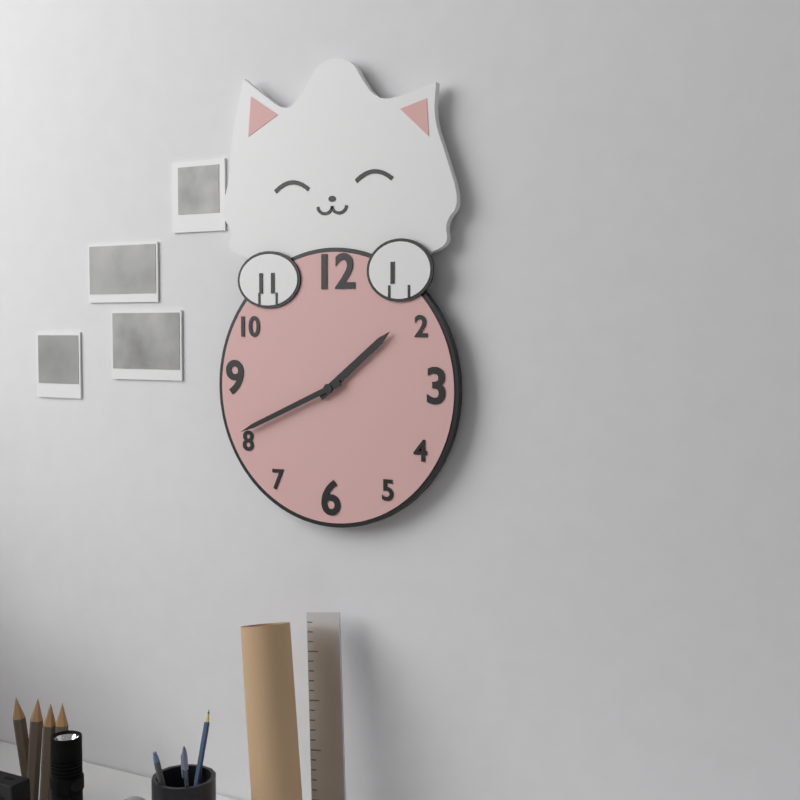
1:41
